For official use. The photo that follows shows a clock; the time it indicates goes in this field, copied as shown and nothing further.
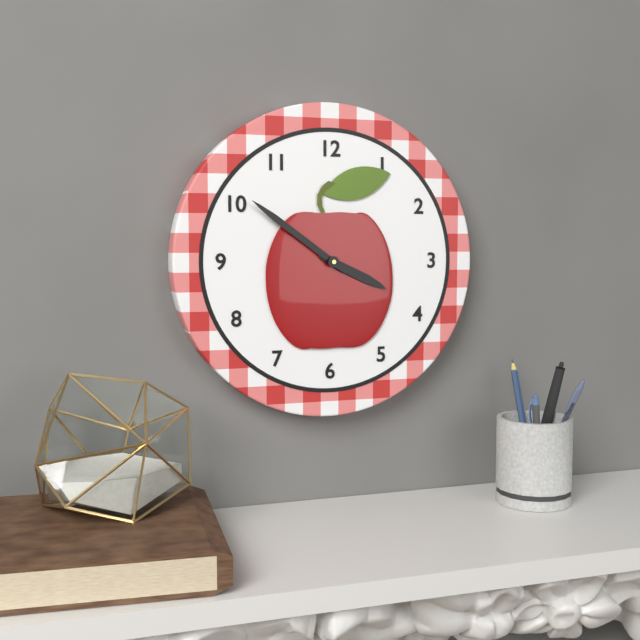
3:51
